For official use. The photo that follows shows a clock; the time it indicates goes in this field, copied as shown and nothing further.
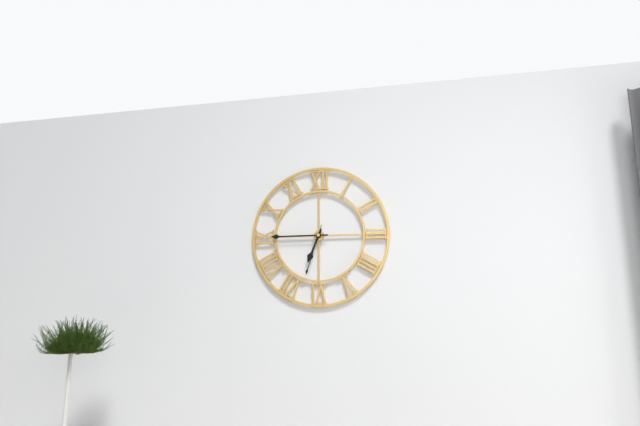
6:45:33
